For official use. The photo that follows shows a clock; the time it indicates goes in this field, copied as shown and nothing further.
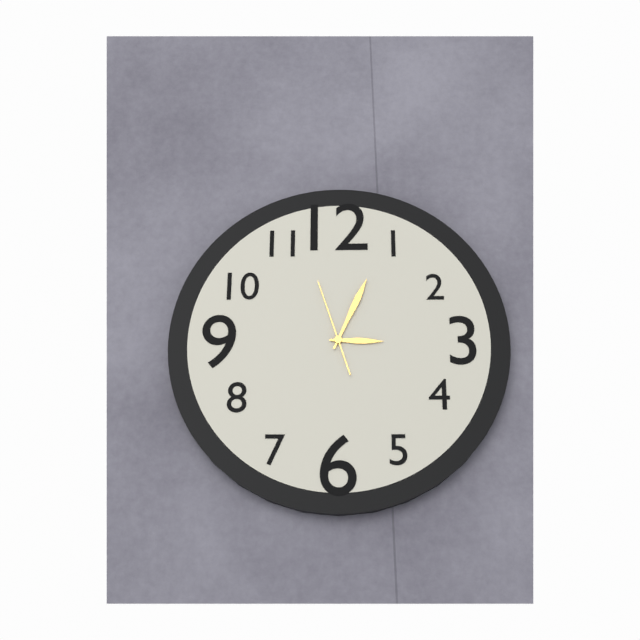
3:04:57
